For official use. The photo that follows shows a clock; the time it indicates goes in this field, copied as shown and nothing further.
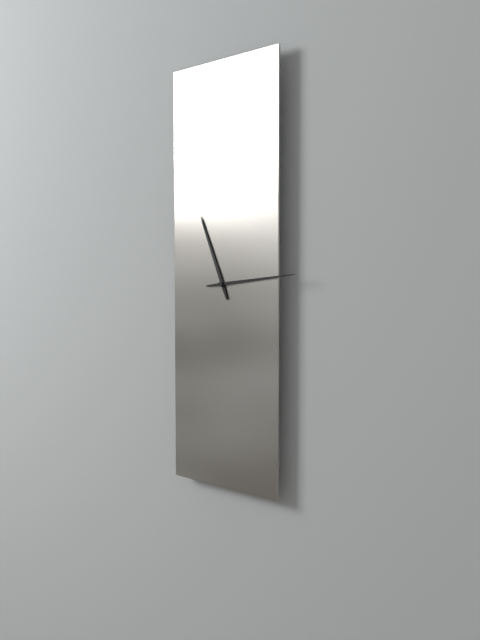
11:14
